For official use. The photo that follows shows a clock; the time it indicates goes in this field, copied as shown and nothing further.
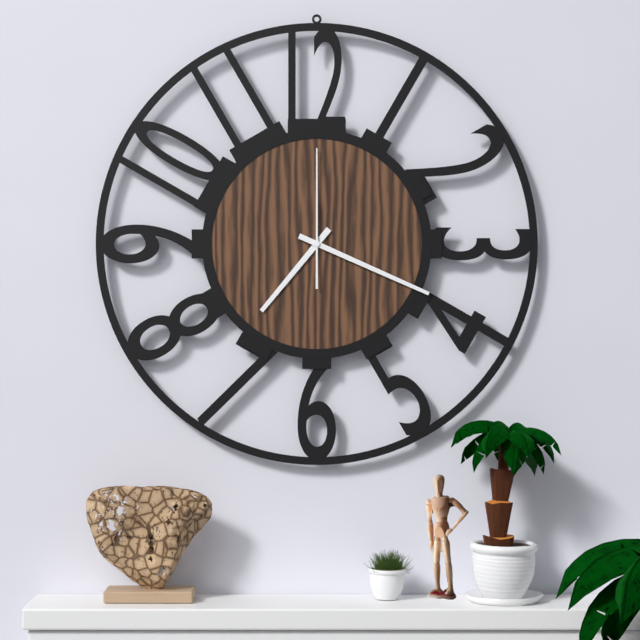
7:19:00
